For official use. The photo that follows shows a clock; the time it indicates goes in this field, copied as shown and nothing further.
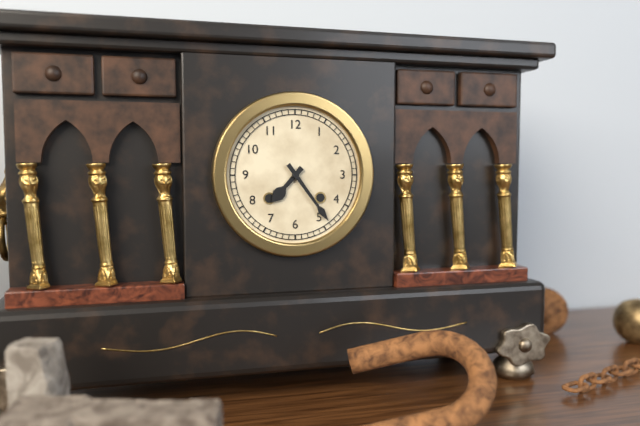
7:24
